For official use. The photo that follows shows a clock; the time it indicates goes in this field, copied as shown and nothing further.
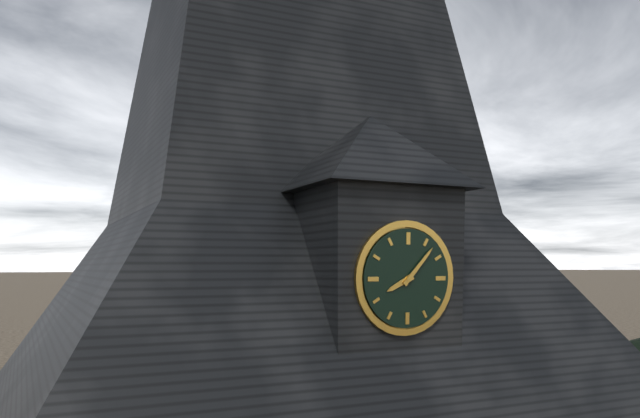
8:07
